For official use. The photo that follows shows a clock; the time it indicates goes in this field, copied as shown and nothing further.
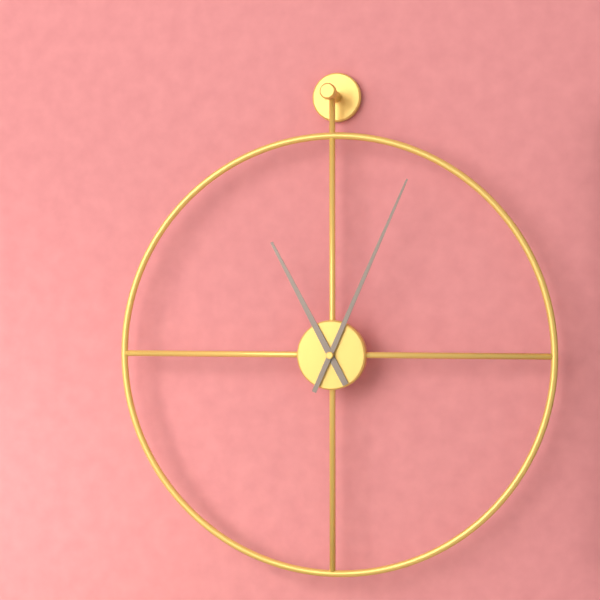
11:04
